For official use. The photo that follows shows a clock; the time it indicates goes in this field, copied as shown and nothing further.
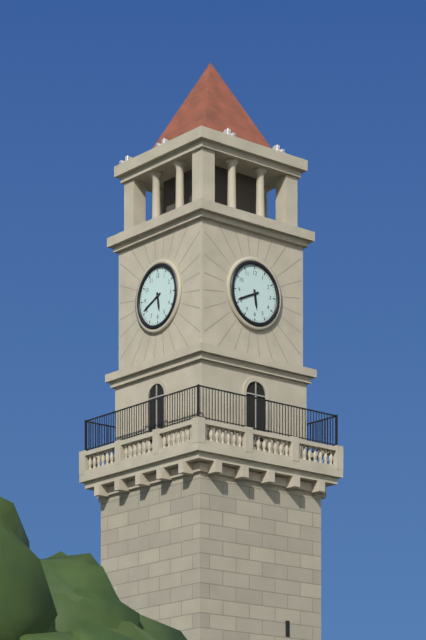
5:41
